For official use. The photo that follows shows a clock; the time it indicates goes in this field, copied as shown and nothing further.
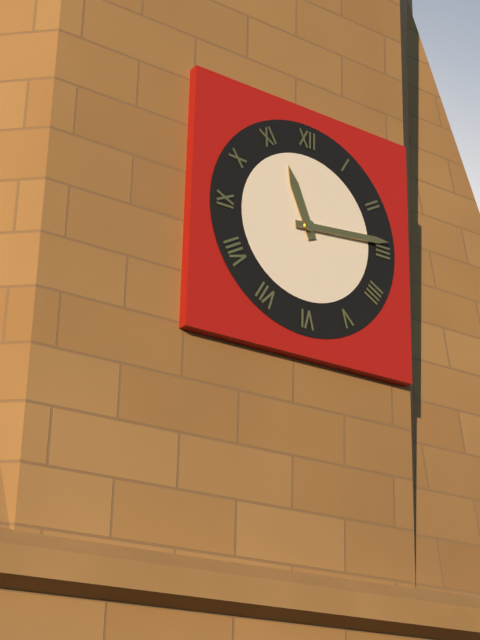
11:14
